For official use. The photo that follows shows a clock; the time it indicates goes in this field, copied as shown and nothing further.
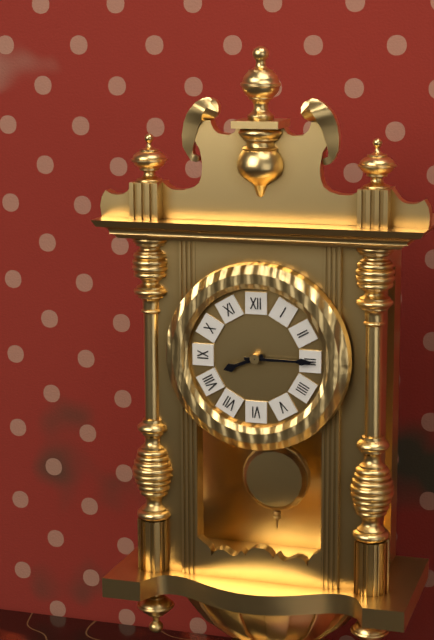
8:15
